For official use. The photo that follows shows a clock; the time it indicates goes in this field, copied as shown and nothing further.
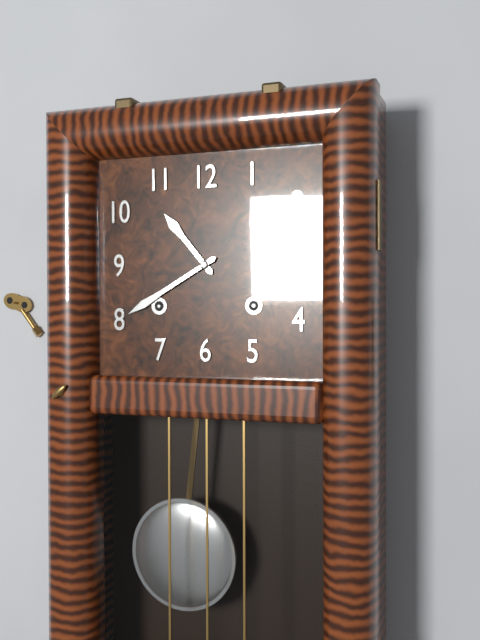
10:40
